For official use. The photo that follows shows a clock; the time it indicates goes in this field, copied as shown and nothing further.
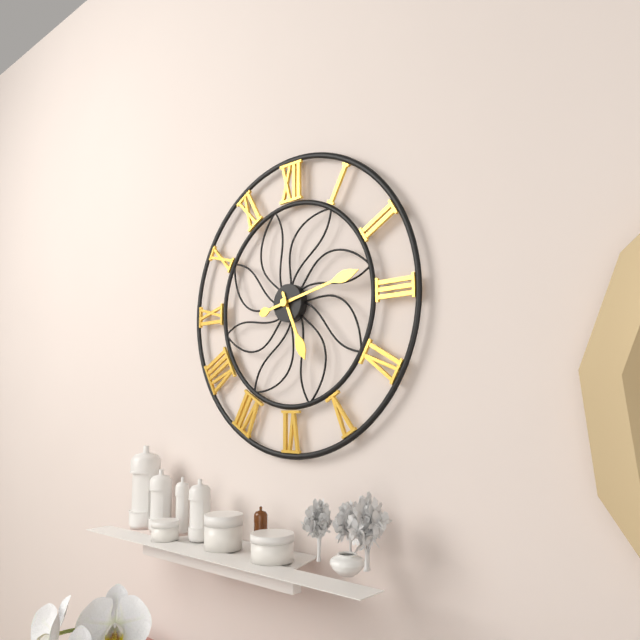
5:13
